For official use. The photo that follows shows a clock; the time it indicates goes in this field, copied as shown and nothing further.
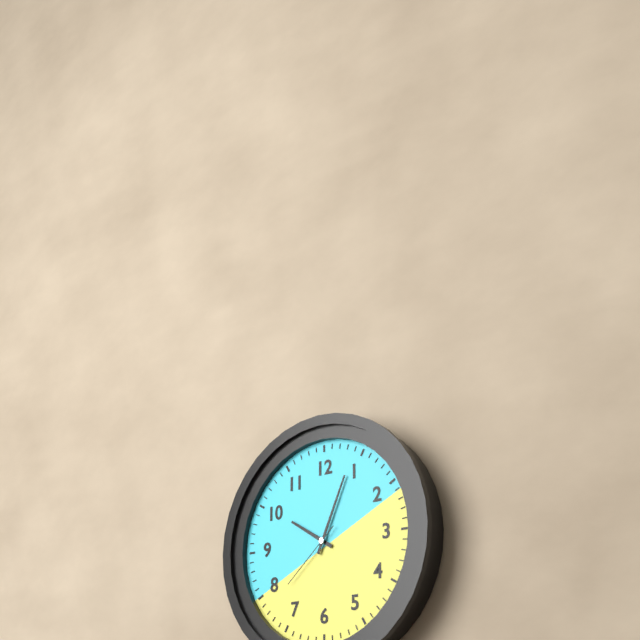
10:04:38
